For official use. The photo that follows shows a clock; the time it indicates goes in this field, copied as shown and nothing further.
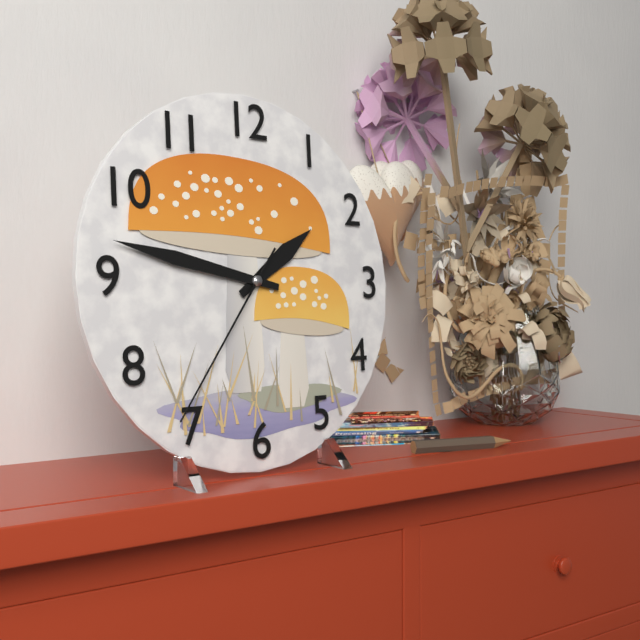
1:47:36
